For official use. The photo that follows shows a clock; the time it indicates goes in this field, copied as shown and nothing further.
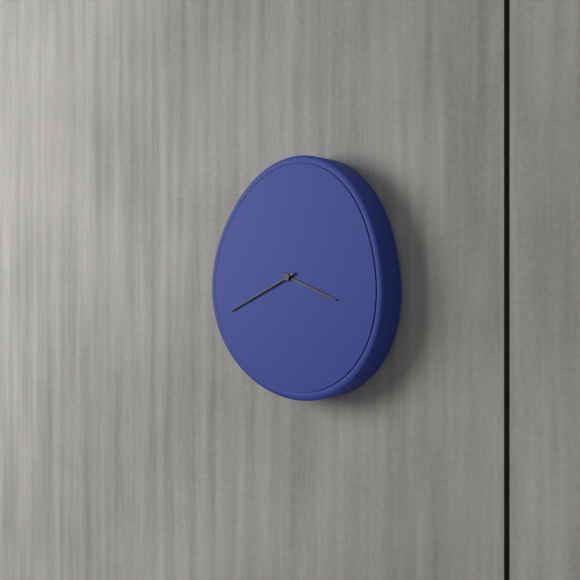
3:41
